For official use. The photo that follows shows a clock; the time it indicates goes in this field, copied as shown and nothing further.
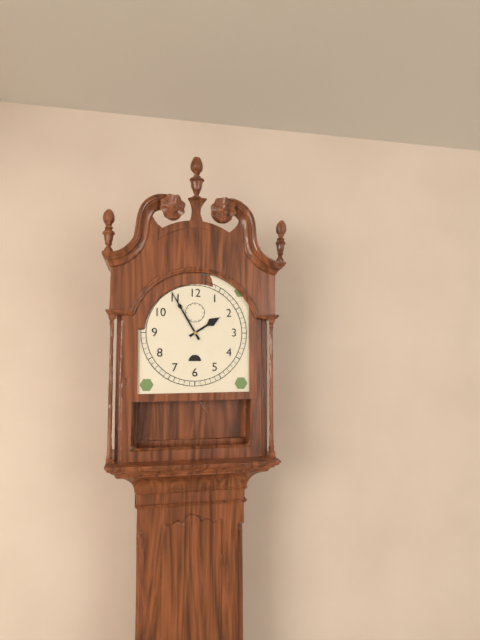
1:55
